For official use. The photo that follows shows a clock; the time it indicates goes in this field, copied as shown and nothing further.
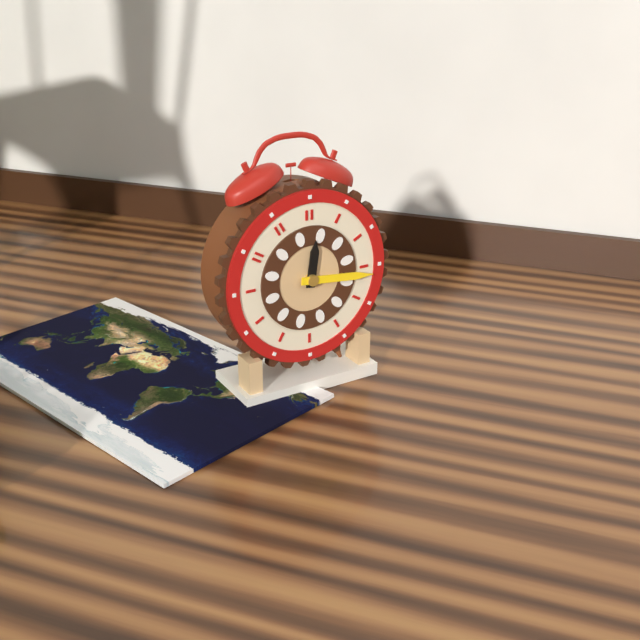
12:16
